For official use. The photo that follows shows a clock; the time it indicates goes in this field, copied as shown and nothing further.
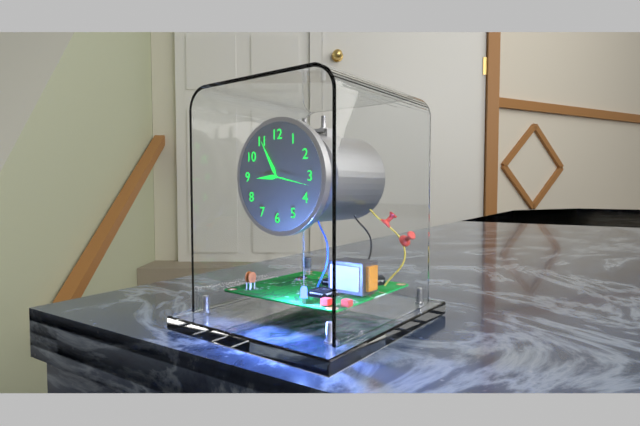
8:55
